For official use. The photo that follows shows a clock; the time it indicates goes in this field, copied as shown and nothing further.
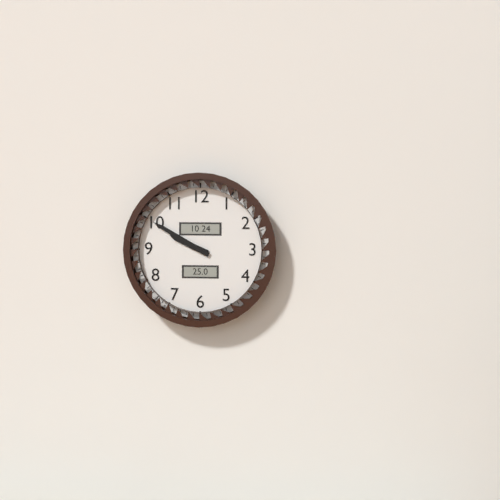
9:50
